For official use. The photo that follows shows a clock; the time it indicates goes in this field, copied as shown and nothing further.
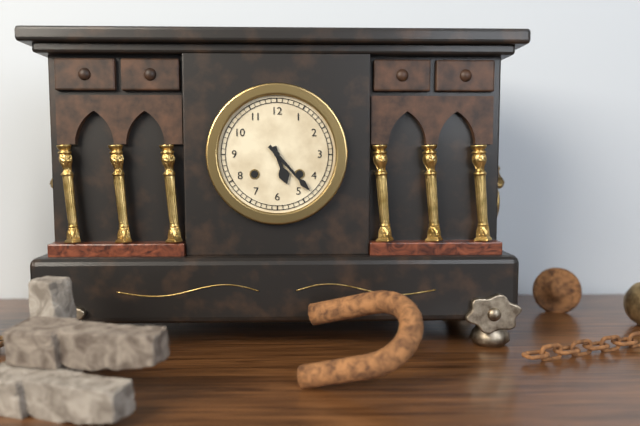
5:23
